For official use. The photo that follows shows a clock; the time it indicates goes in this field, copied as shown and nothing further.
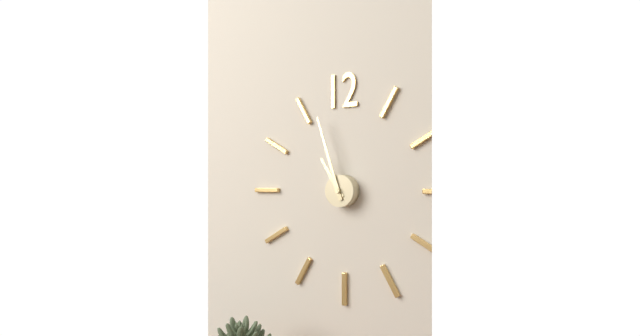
10:57
